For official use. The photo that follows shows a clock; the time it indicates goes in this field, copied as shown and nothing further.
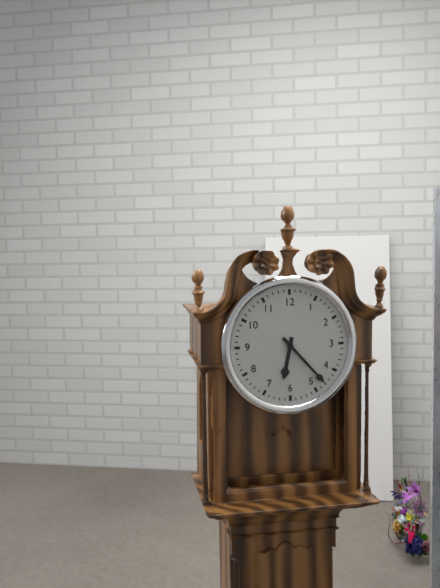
6:23
